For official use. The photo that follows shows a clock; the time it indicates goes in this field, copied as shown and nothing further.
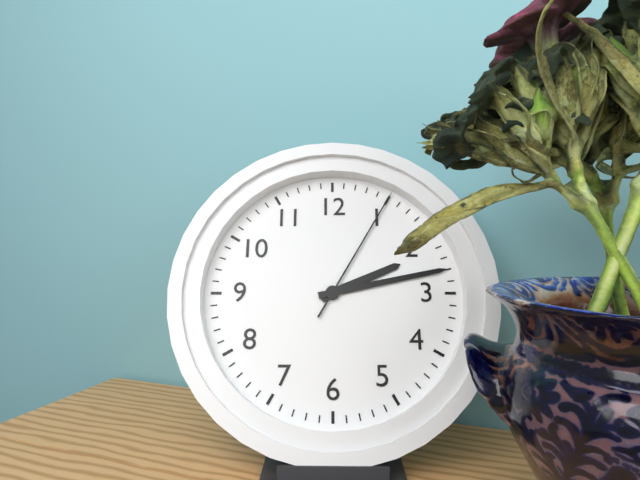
2:13:05
